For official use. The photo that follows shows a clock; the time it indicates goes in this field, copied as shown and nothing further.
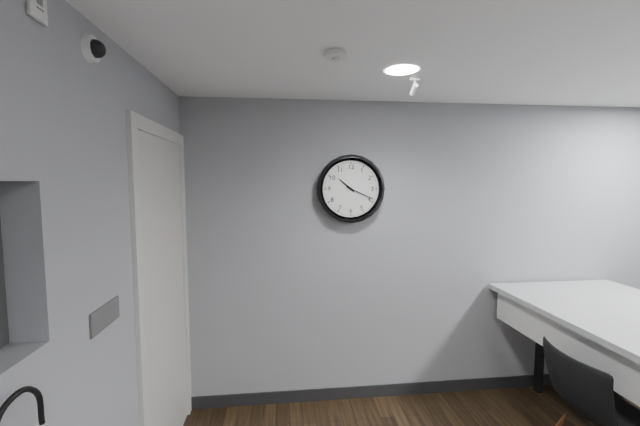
10:19
